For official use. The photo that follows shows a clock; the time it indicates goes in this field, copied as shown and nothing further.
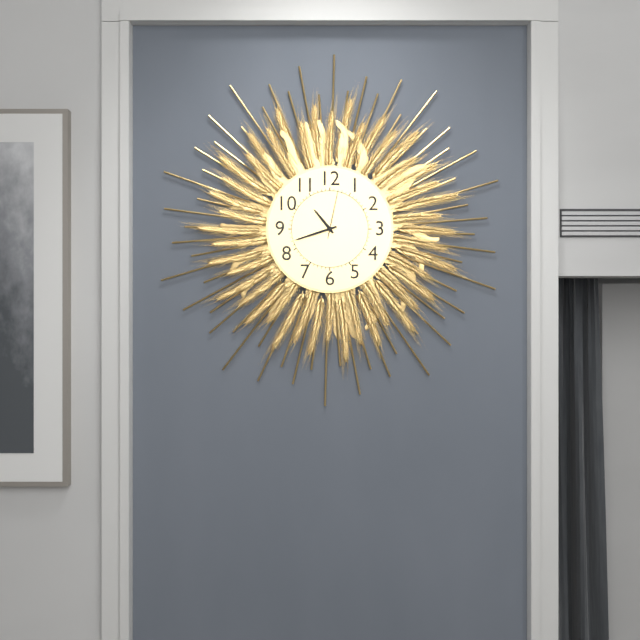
10:42:02
